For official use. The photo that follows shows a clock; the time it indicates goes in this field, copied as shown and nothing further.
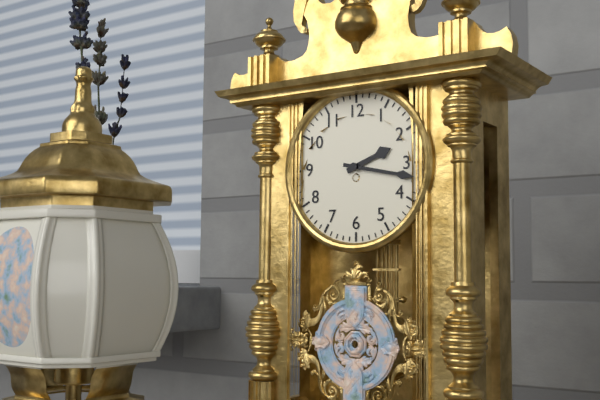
2:17
